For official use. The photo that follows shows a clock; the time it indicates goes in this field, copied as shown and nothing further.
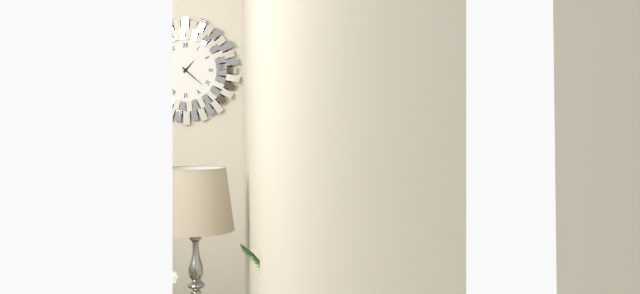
1:22
